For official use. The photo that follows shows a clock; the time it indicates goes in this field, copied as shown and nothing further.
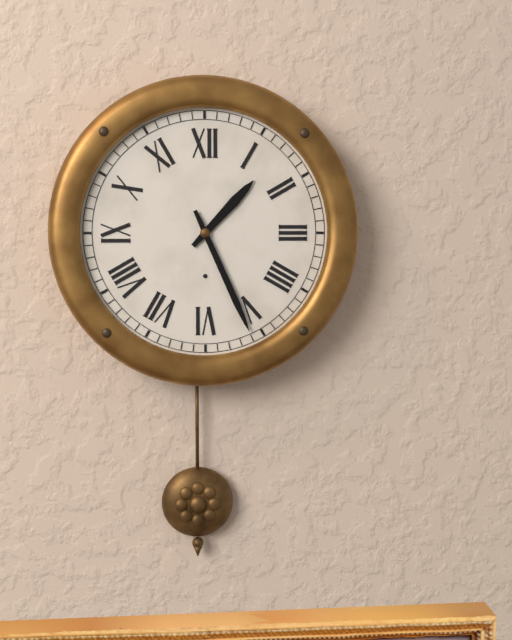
1:26
